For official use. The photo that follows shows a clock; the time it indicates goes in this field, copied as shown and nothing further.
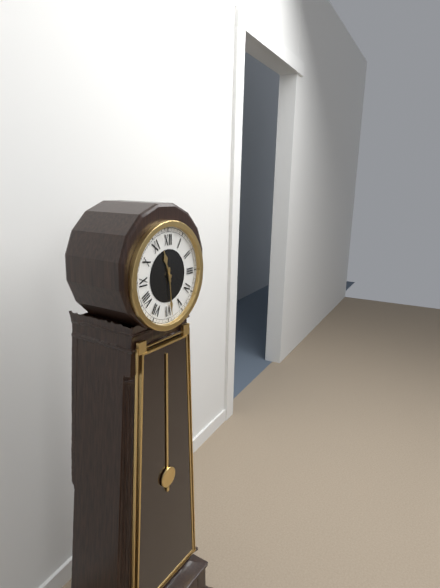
11:29
